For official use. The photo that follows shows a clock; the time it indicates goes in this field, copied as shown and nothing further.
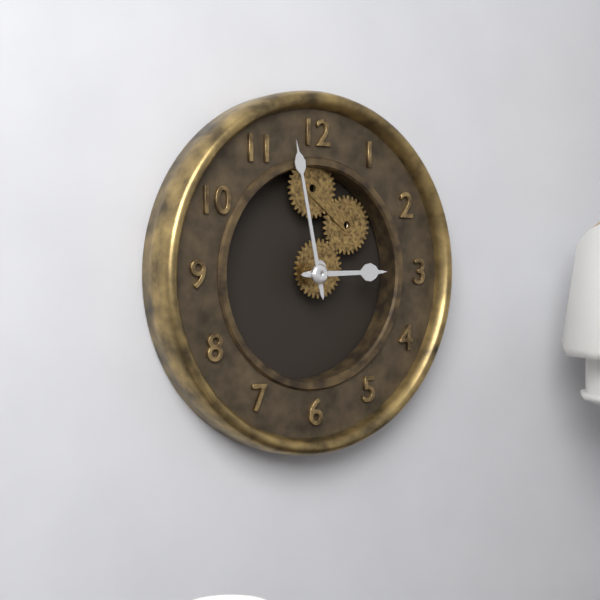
2:58
